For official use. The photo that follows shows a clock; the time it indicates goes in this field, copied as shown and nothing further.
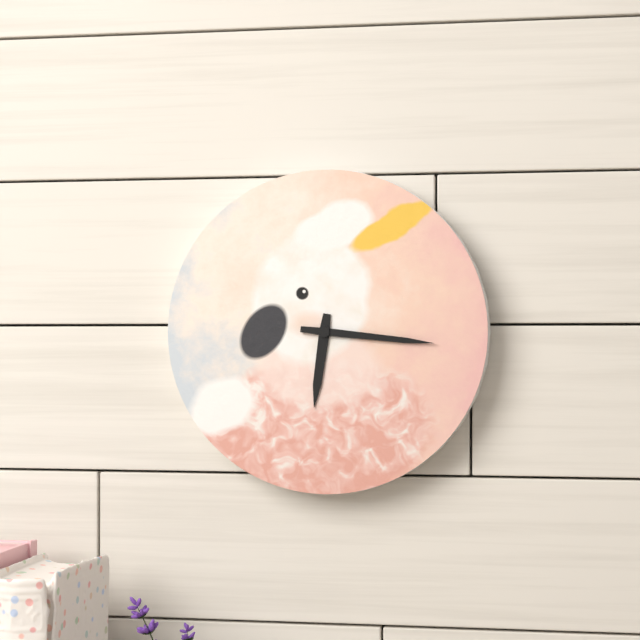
6:16
